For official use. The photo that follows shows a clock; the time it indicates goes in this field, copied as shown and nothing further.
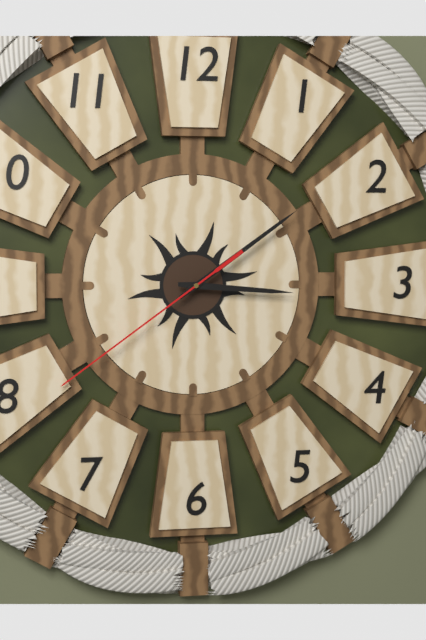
3:09:39
